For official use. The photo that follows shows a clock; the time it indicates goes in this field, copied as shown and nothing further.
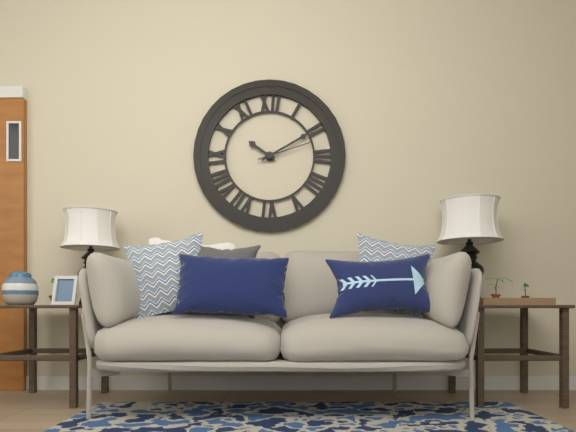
10:10:12
